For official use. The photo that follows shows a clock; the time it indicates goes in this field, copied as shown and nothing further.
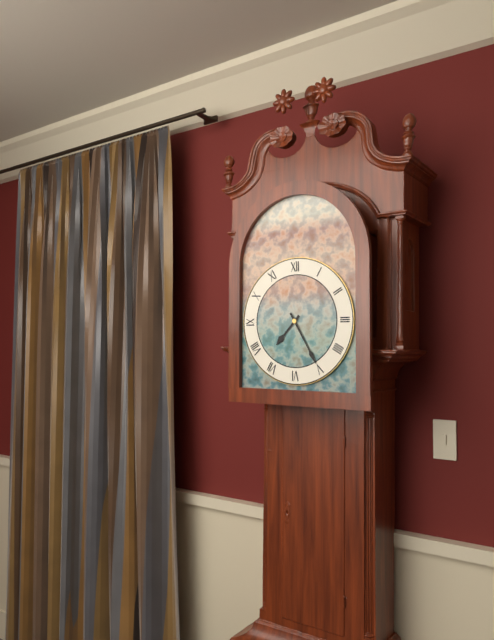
7:25
